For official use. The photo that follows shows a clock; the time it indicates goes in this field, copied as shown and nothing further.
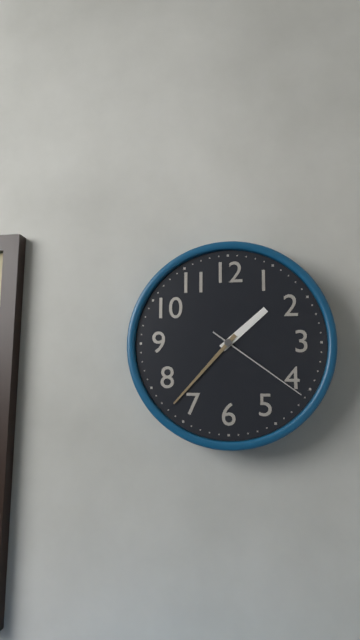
1:37:21
